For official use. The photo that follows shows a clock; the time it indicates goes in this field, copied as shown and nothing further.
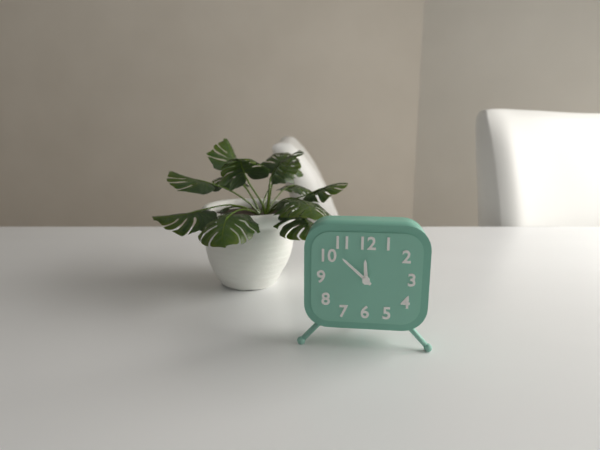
11:52
